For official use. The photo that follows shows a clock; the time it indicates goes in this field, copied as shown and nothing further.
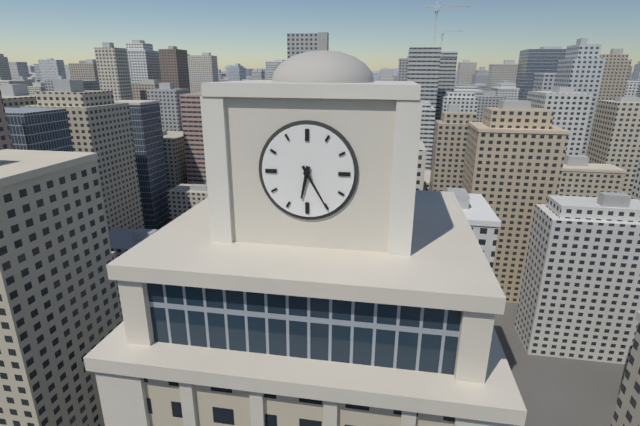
6:25
